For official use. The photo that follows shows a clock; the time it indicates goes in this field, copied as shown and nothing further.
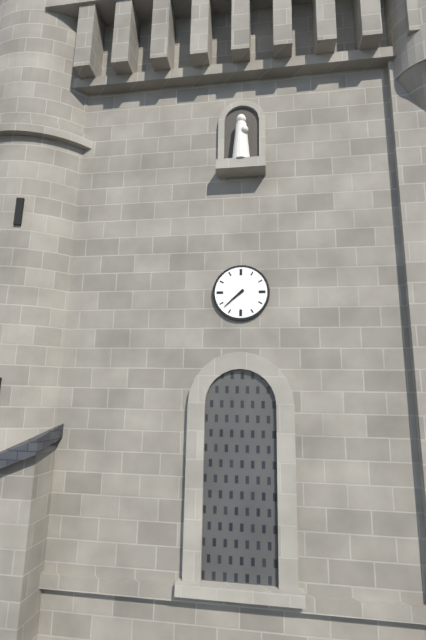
7:38
